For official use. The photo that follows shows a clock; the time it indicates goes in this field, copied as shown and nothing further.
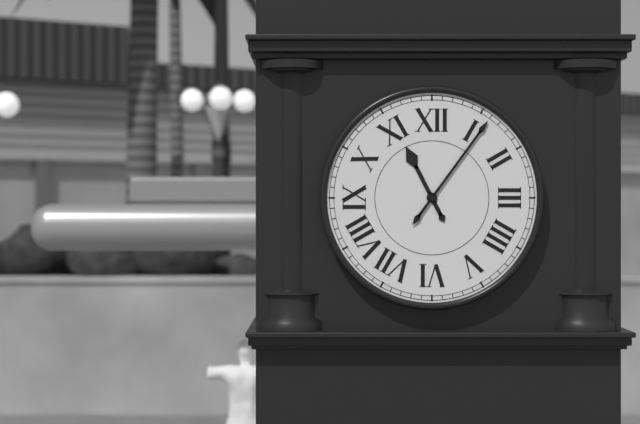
11:06
